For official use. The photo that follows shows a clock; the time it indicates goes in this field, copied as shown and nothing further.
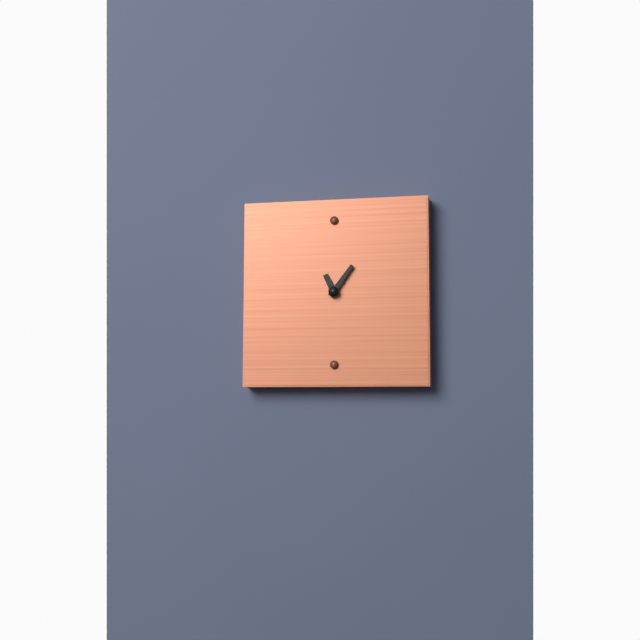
11:06
